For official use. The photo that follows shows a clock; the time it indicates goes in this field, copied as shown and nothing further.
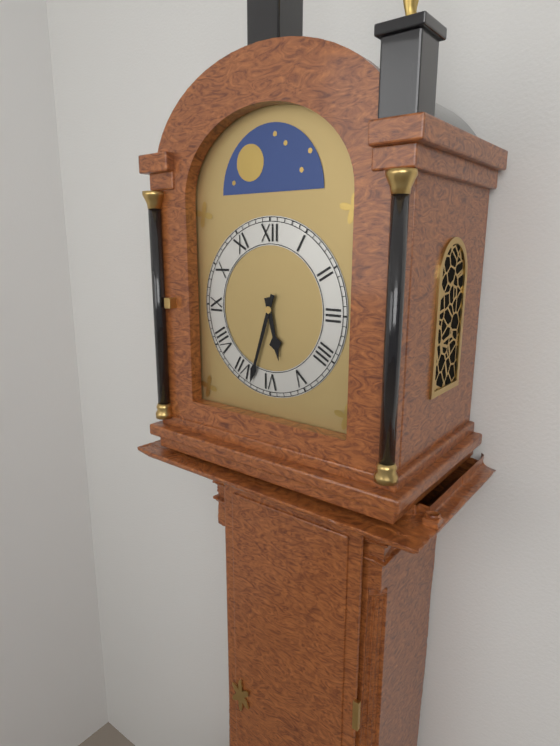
5:33
